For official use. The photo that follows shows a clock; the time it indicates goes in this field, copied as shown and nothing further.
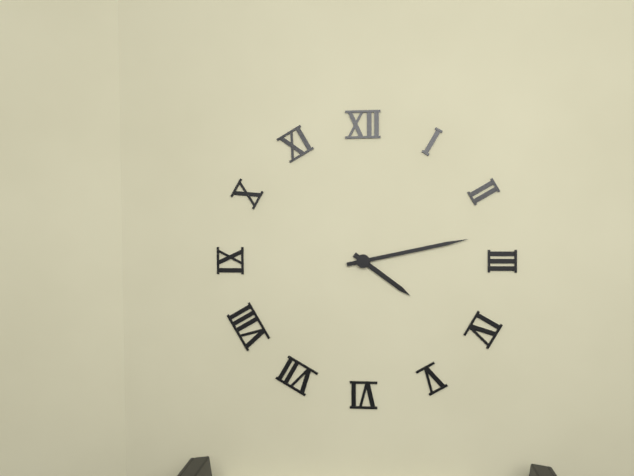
4:13
